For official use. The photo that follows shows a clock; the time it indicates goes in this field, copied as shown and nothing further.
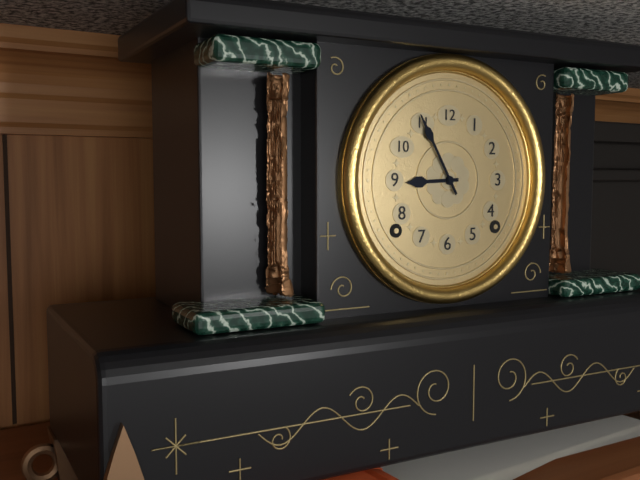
8:55
